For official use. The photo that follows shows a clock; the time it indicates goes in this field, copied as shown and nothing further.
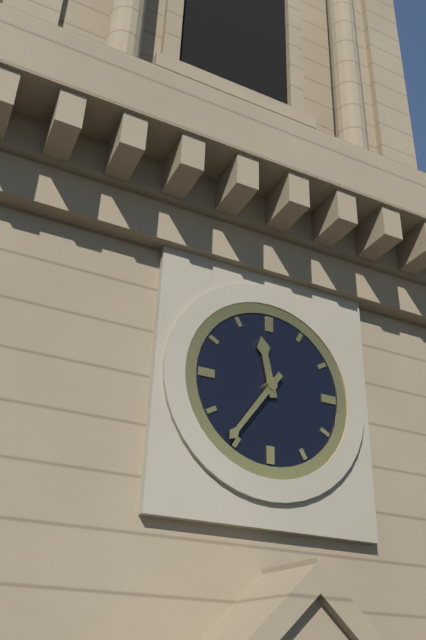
11:36
